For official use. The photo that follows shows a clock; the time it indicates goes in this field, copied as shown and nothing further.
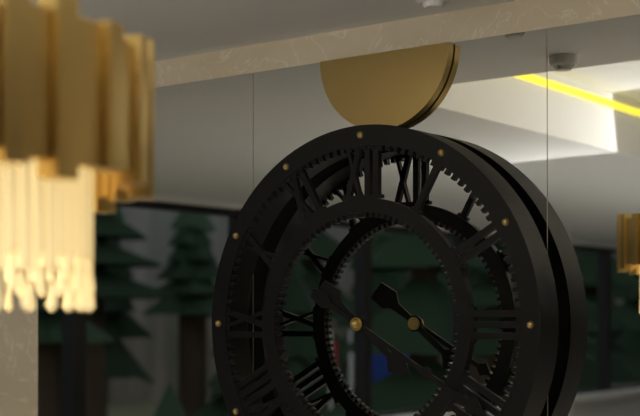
4:20
